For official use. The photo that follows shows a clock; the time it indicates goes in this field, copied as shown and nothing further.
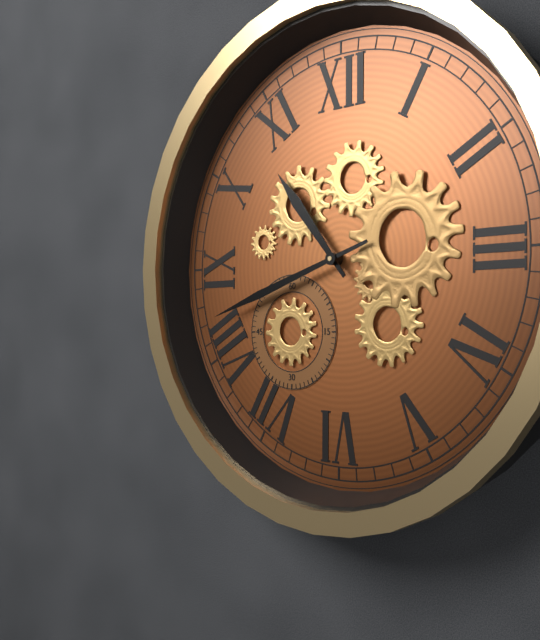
10:42
